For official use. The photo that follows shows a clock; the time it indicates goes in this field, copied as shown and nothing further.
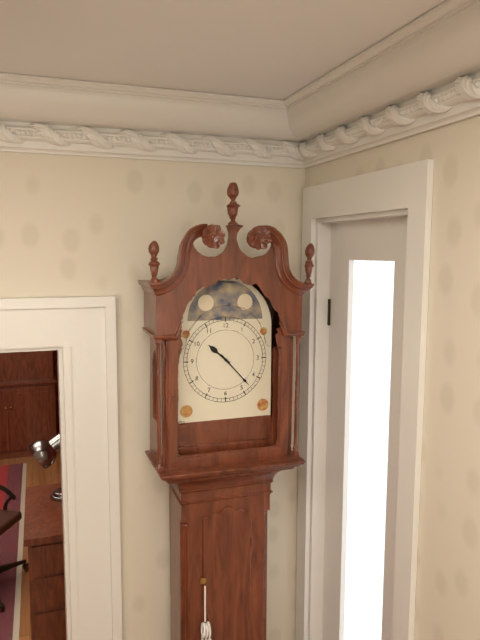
10:23
